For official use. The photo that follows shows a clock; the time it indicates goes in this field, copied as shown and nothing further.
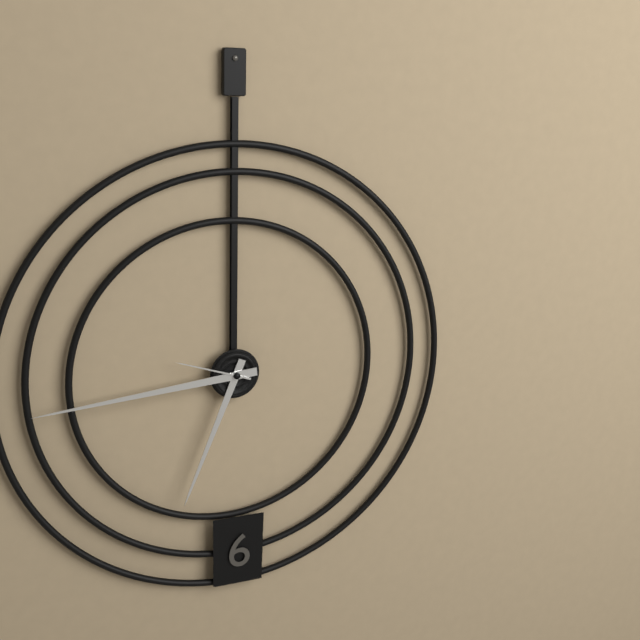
6:44:48
